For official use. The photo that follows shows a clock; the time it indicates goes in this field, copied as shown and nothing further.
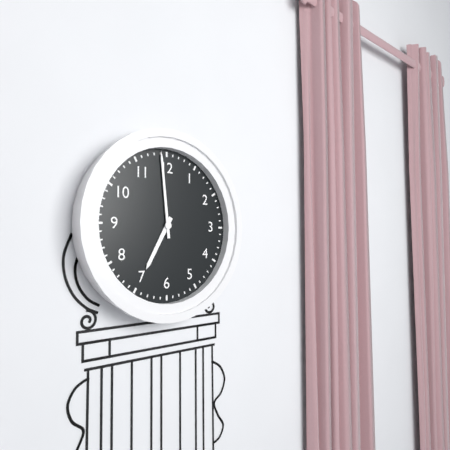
6:59
